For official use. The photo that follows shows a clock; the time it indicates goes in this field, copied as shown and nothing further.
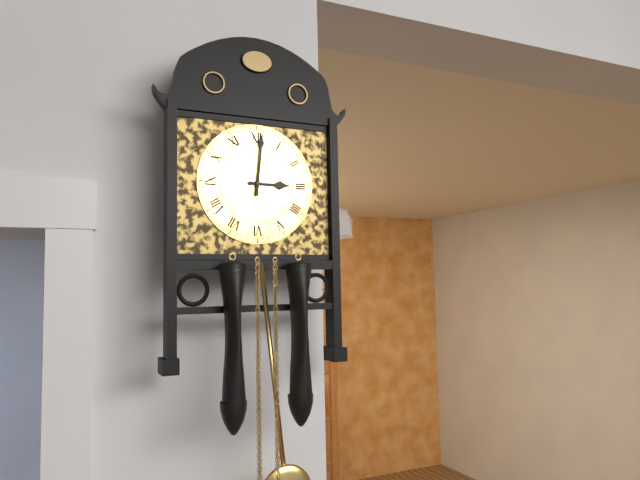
3:01
